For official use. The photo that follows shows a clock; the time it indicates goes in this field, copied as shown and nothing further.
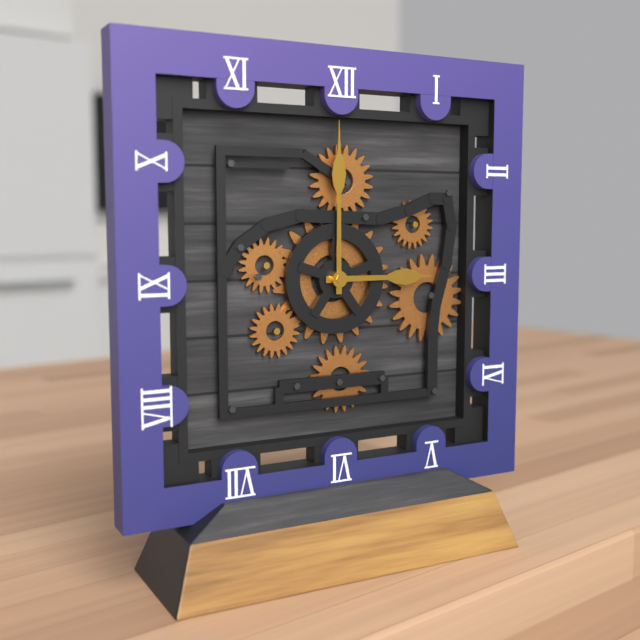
3:00
